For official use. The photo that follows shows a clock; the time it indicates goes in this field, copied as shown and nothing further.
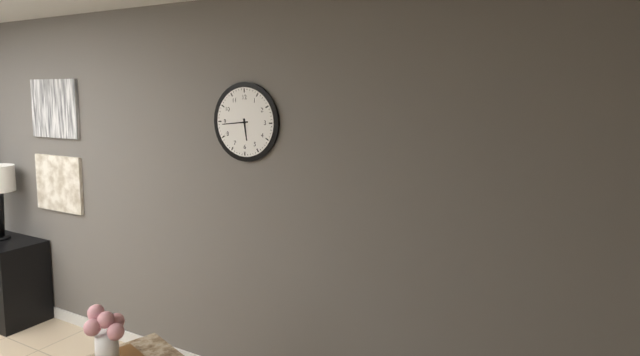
5:44
